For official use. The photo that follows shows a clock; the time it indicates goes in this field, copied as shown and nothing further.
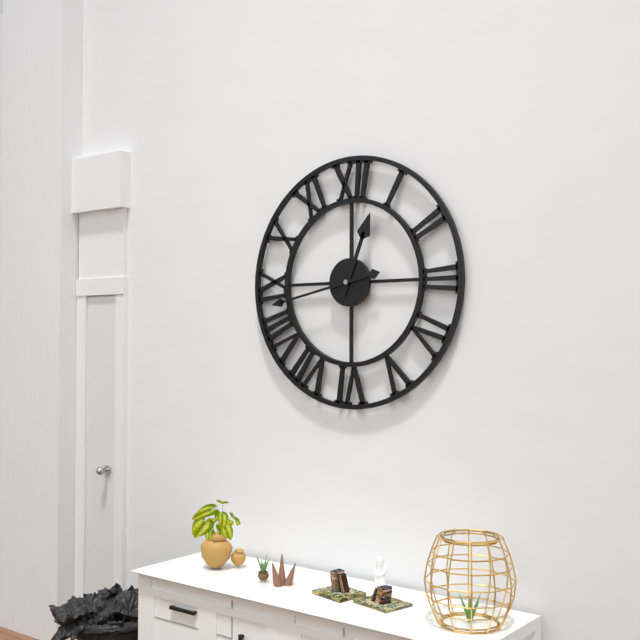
12:43
